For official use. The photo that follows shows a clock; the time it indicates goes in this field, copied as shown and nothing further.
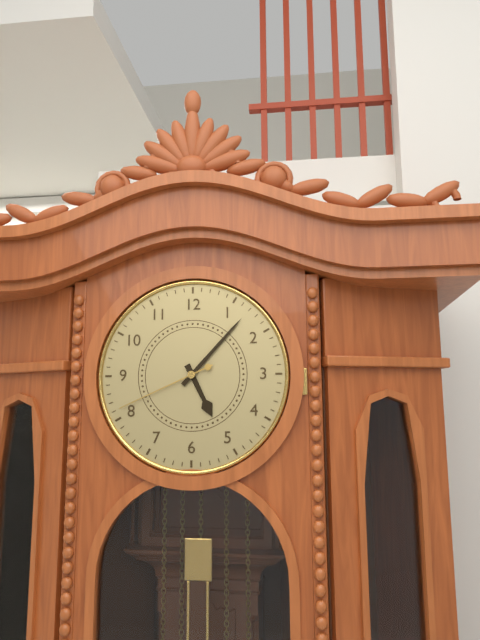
5:07:41
